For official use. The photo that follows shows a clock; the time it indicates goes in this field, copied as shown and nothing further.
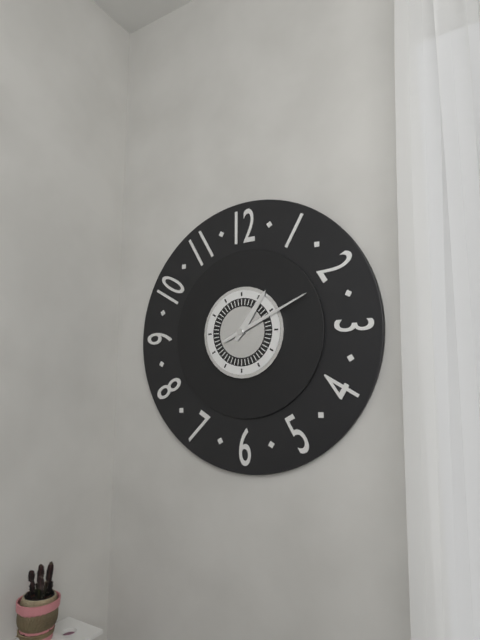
1:11
